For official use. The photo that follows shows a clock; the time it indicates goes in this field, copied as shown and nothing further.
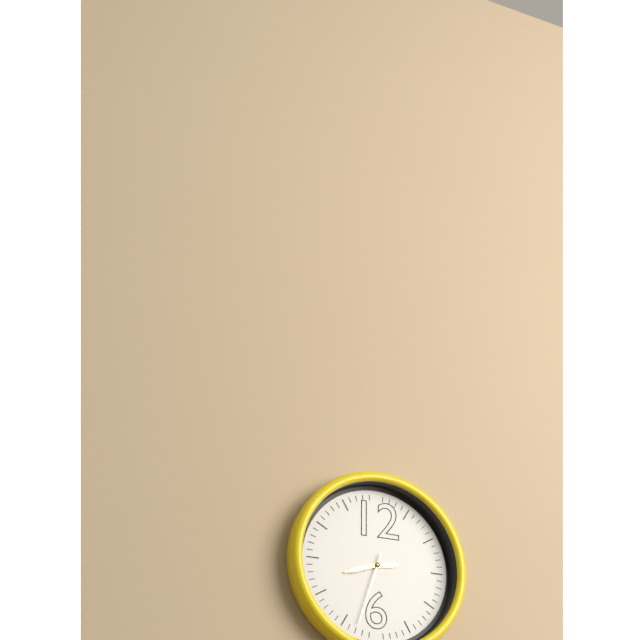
2:42:33
